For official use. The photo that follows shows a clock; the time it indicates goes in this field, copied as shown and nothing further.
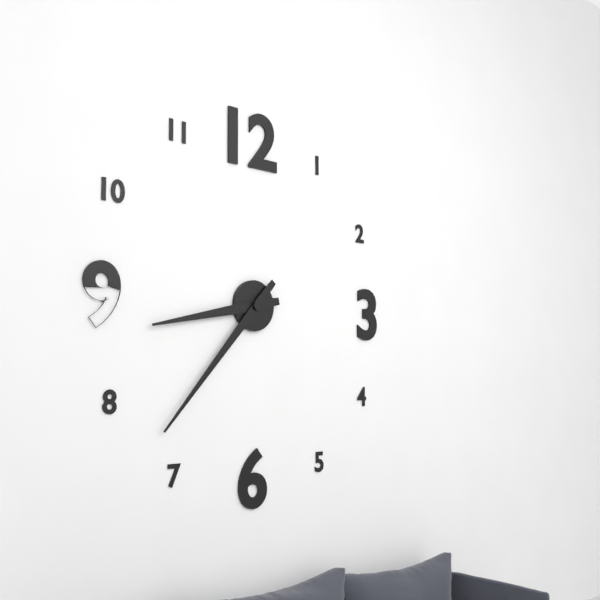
8:37
